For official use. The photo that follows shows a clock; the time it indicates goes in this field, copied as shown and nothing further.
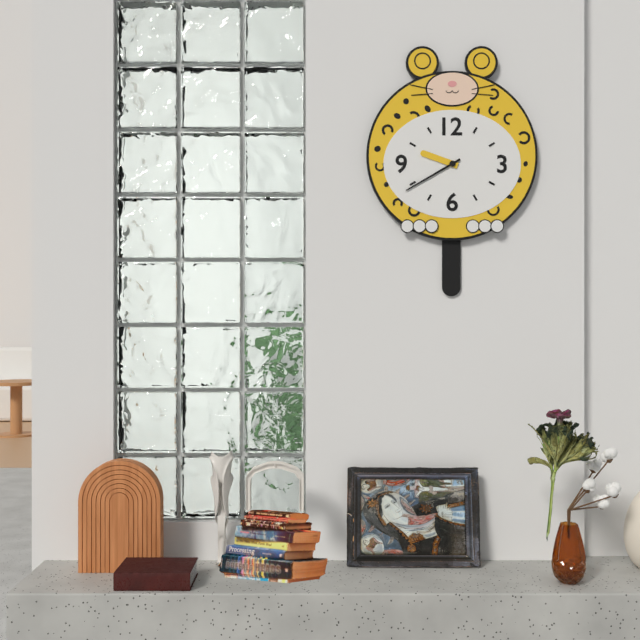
9:40
